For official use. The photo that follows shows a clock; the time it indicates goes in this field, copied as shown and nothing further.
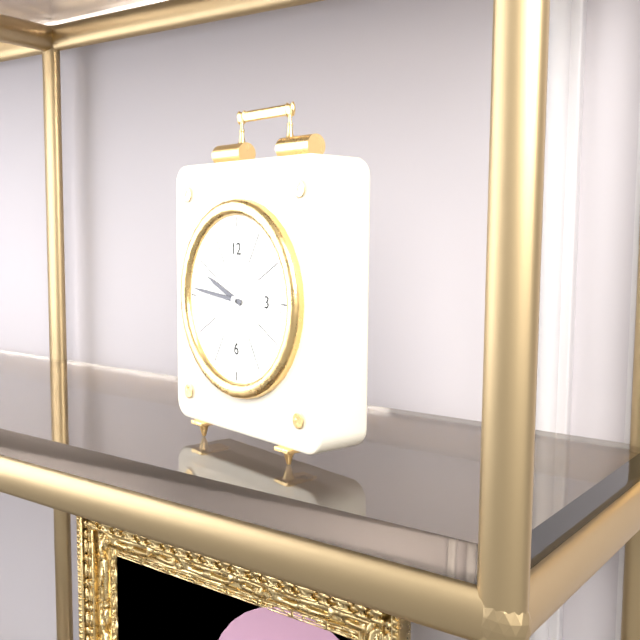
9:46
